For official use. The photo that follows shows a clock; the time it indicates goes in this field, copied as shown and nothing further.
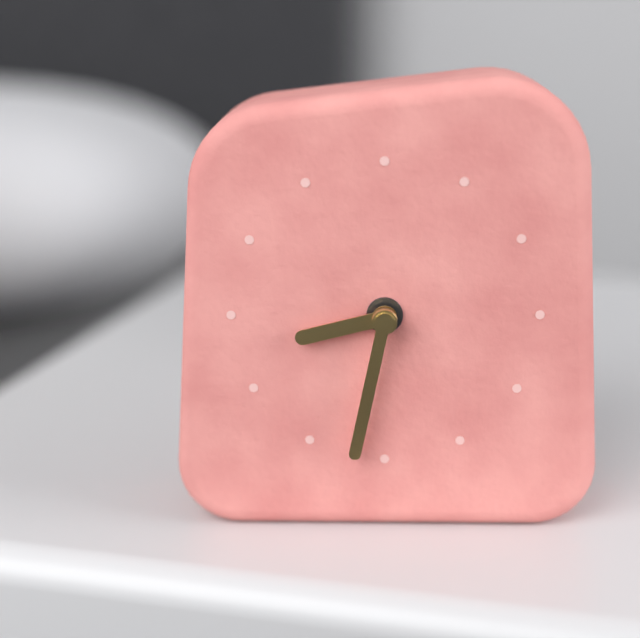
8:32
